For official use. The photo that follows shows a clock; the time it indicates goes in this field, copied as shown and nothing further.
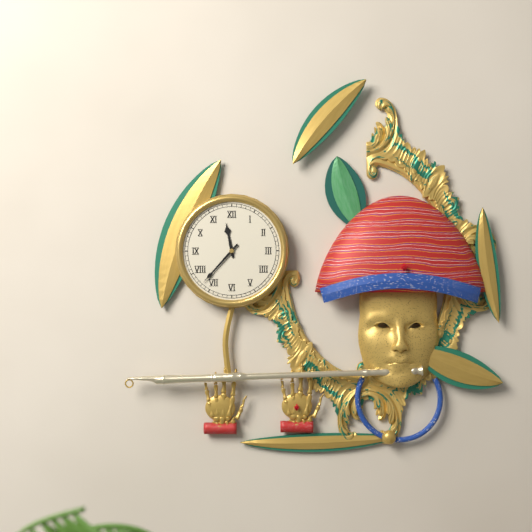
11:37
